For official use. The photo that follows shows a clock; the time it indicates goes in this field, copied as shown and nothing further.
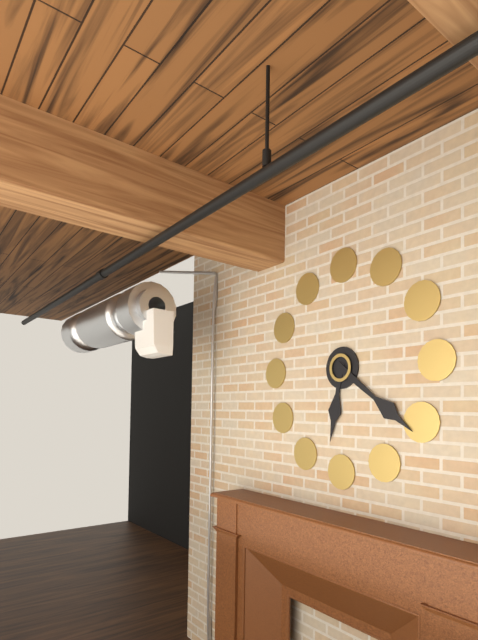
6:21
